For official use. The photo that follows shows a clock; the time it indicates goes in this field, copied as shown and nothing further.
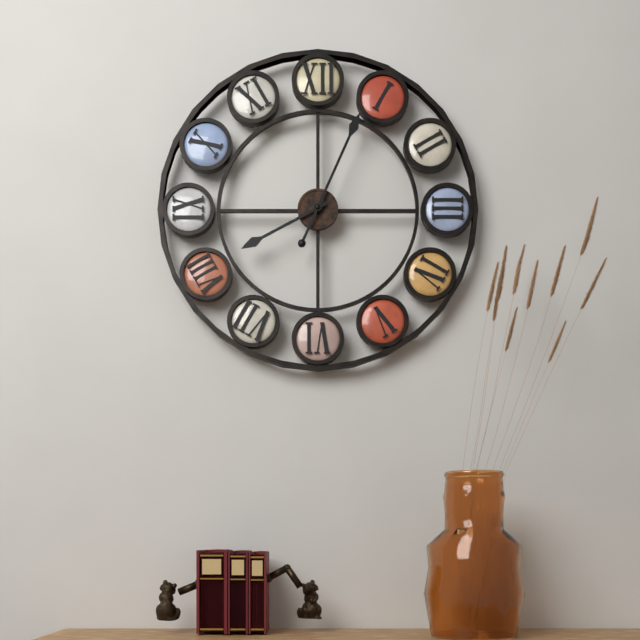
8:04
